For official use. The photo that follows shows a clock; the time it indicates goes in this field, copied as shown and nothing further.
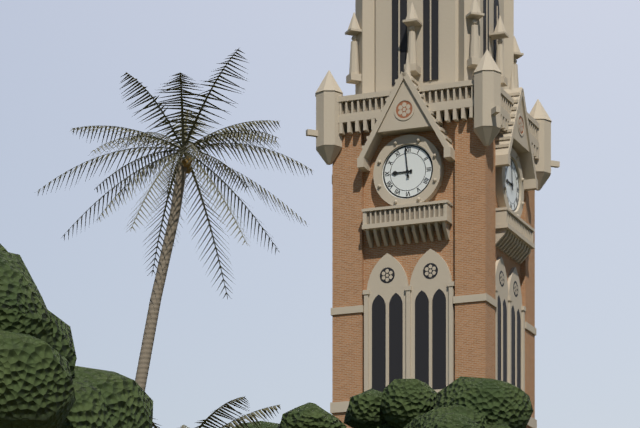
8:59
